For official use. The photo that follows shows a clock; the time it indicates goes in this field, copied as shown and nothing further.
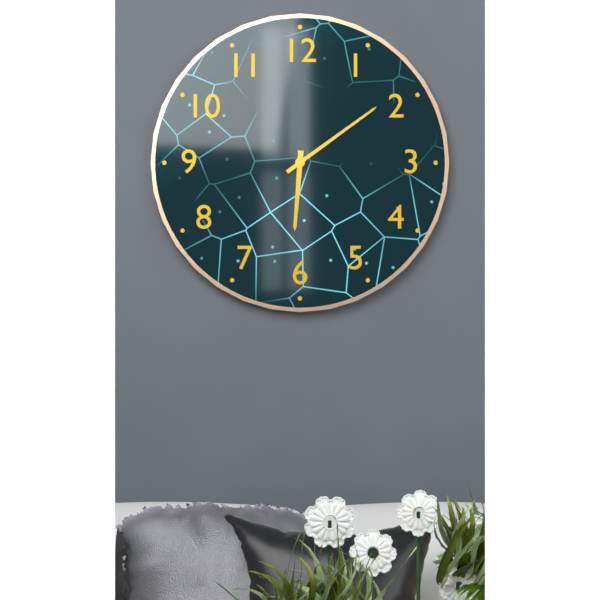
6:09
